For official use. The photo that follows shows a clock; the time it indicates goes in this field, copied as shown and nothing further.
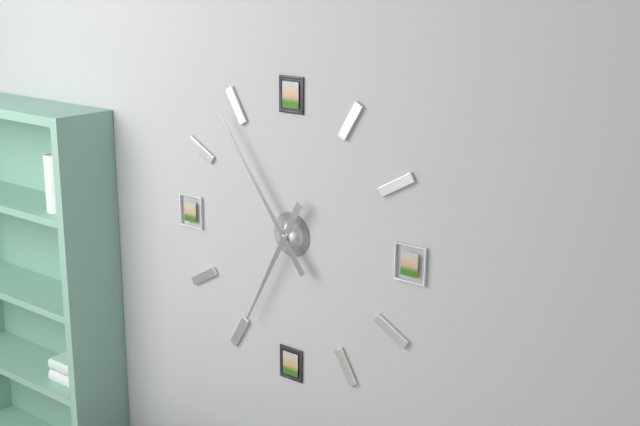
6:54
